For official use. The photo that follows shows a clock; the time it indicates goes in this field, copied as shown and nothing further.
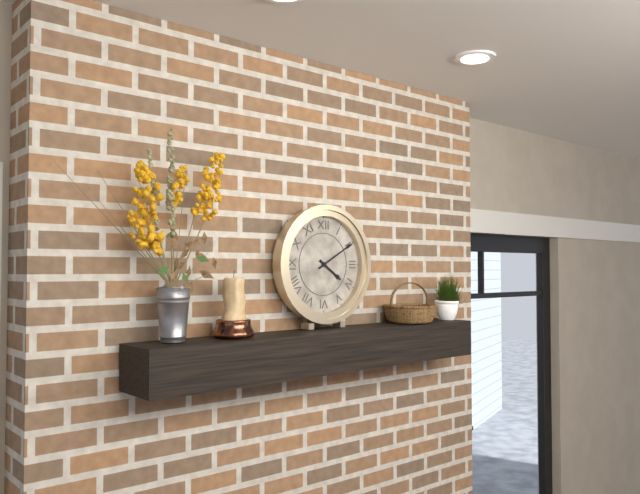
4:10
